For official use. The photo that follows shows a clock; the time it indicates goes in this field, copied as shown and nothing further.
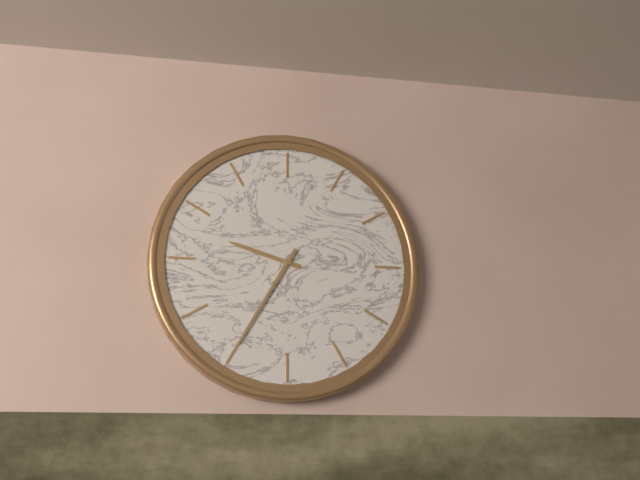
9:35
